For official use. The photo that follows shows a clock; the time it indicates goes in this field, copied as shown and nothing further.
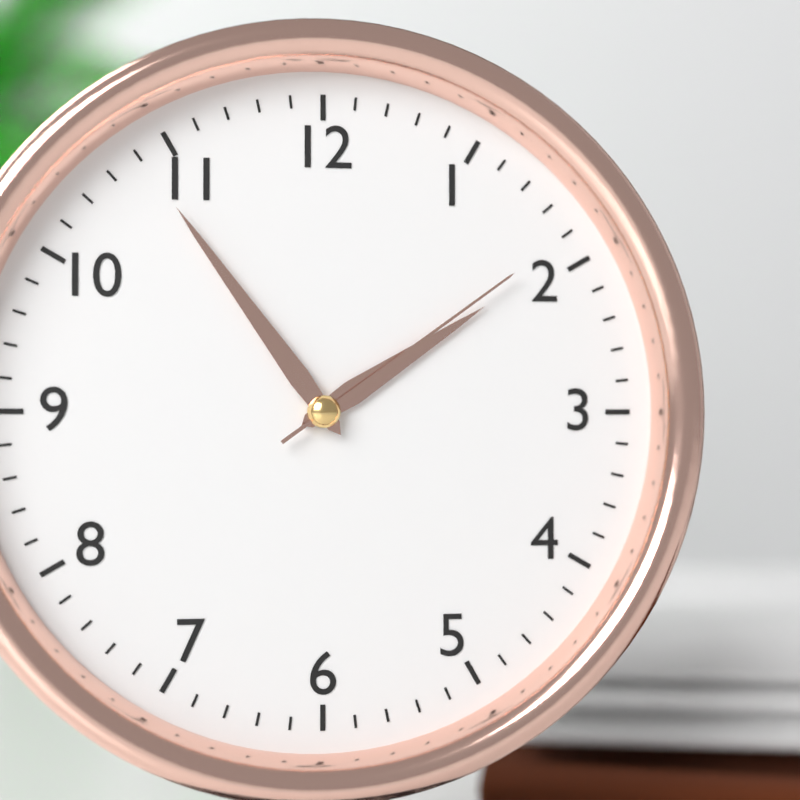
1:54:09
